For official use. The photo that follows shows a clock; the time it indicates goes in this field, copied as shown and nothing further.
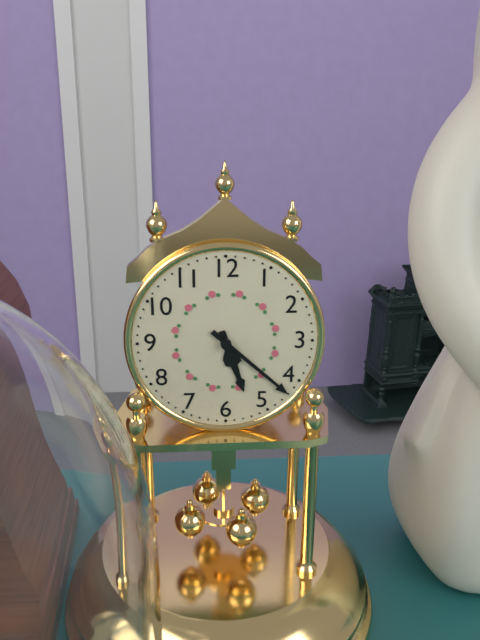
5:22
